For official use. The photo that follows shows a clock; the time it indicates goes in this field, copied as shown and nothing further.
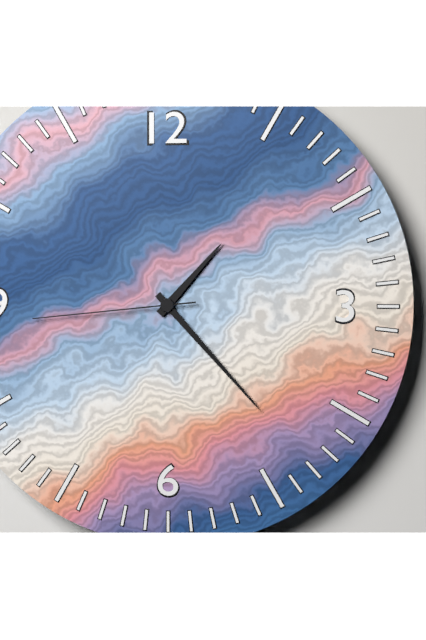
1:23:44
